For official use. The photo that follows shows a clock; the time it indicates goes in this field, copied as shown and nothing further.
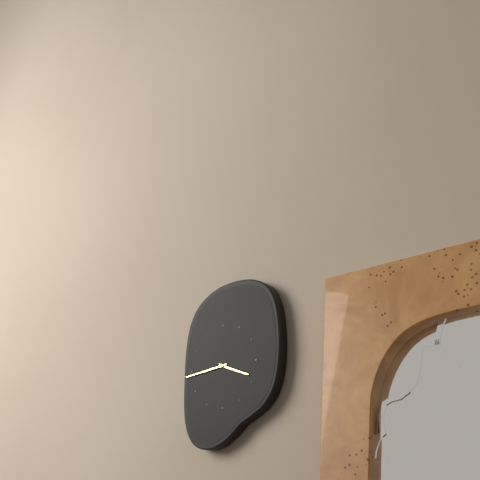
3:44
